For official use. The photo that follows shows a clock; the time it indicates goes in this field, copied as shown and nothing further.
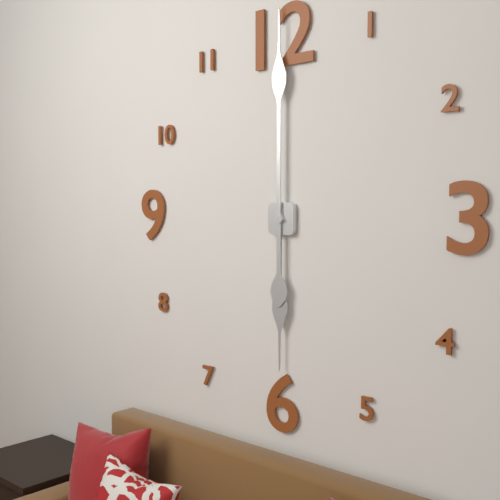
6:00
